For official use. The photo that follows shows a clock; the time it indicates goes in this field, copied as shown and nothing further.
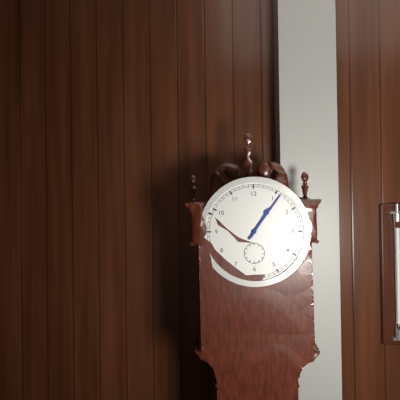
1:06
